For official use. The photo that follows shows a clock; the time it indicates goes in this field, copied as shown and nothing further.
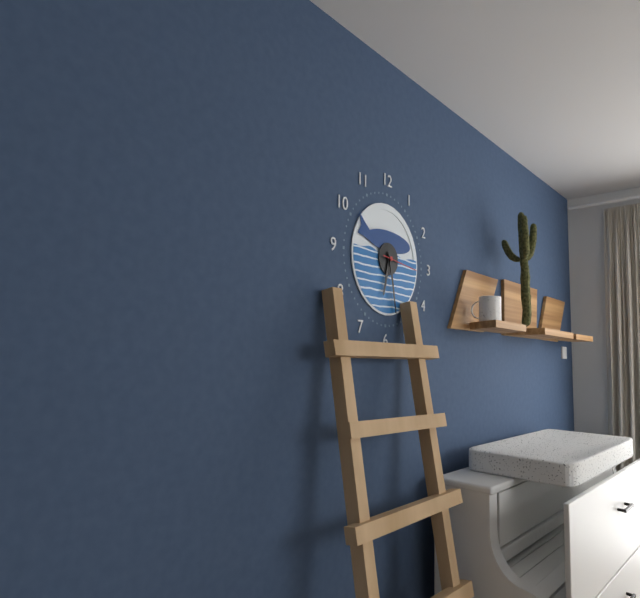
6:28
